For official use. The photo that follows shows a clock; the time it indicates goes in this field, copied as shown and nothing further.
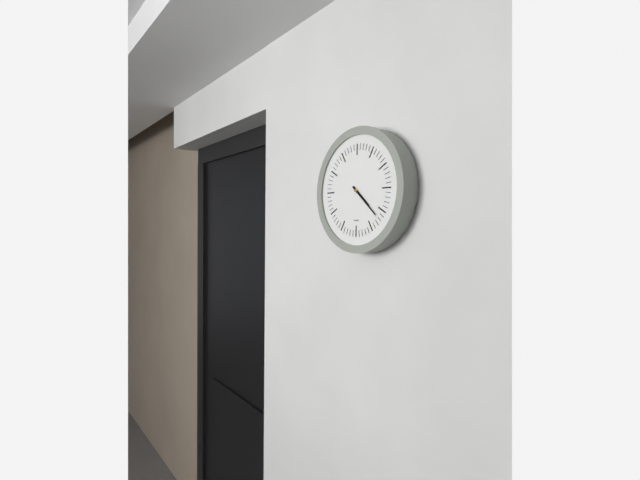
4:22
